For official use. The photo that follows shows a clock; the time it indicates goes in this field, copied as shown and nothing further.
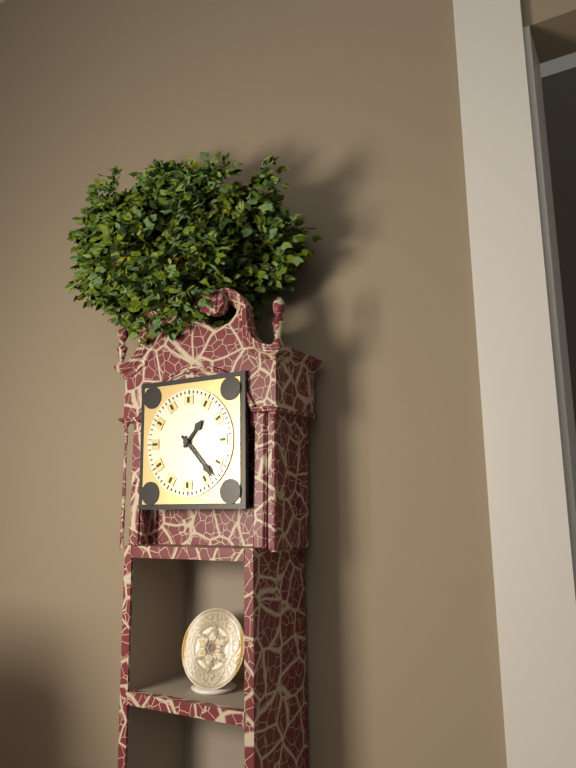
1:23
